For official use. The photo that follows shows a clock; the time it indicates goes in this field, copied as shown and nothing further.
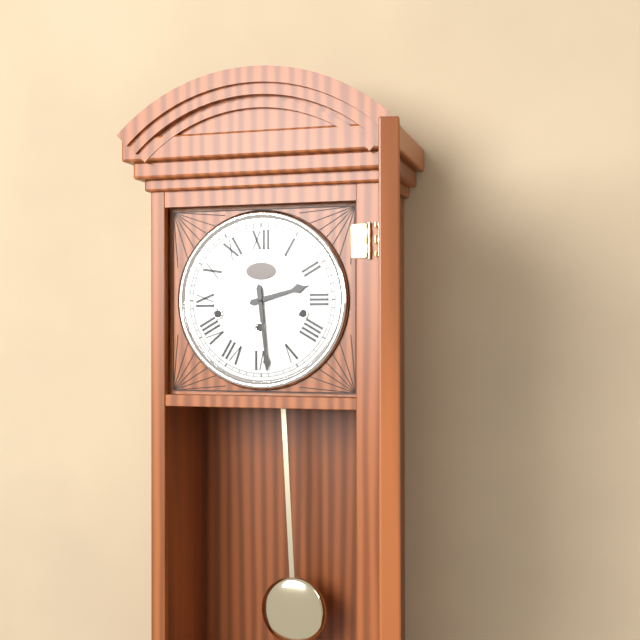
2:29
